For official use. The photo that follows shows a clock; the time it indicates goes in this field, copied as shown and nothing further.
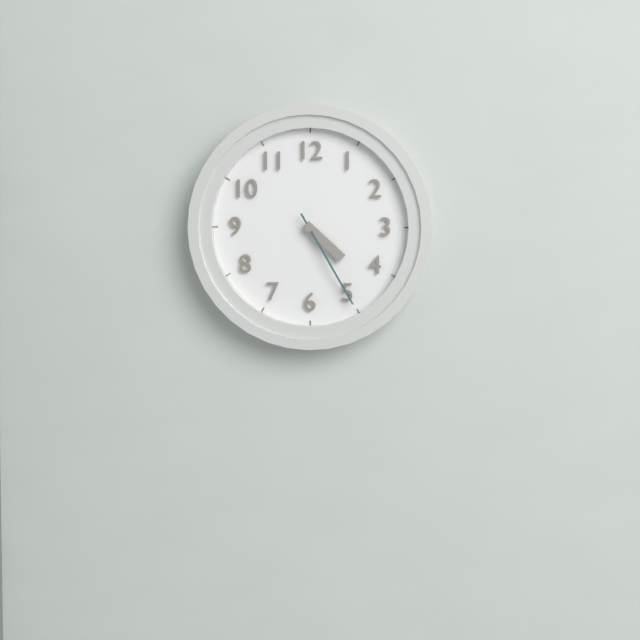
4:25
